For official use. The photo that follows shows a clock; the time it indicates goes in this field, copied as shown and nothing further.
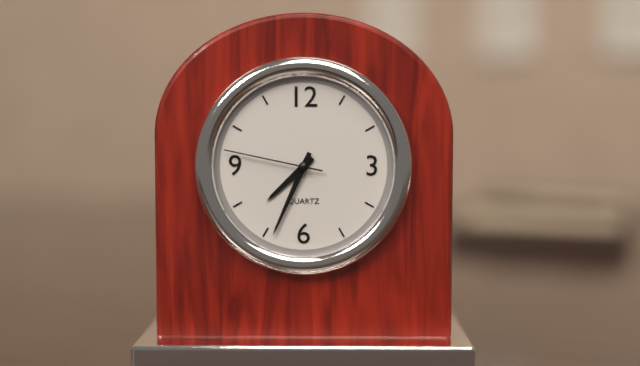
7:34:47
